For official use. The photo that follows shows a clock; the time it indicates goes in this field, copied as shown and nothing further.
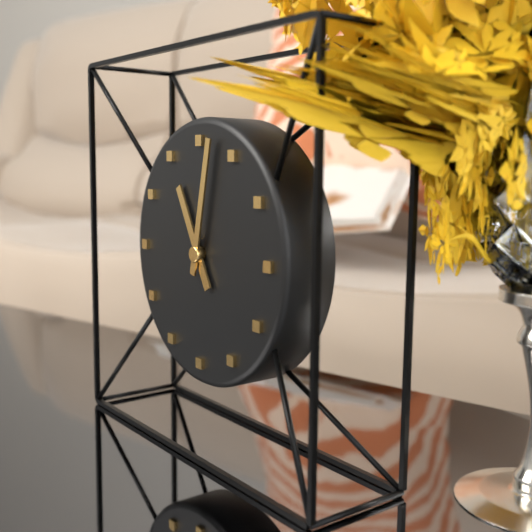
11:02
